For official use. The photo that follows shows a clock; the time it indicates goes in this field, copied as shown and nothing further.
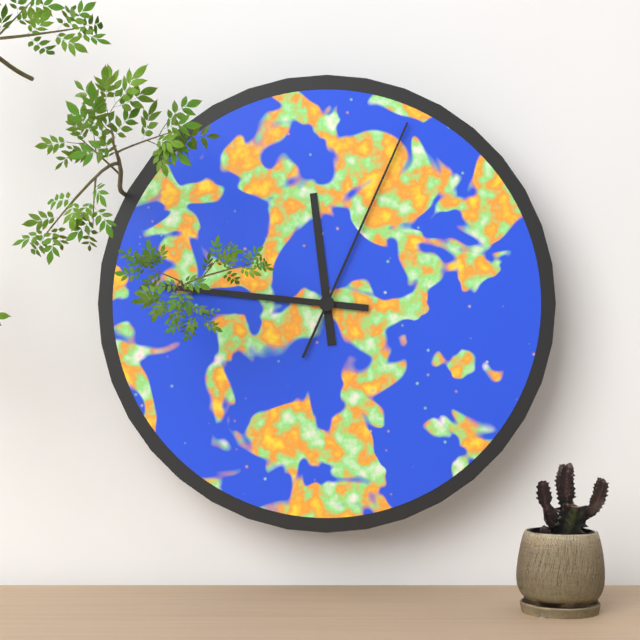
11:46:04
